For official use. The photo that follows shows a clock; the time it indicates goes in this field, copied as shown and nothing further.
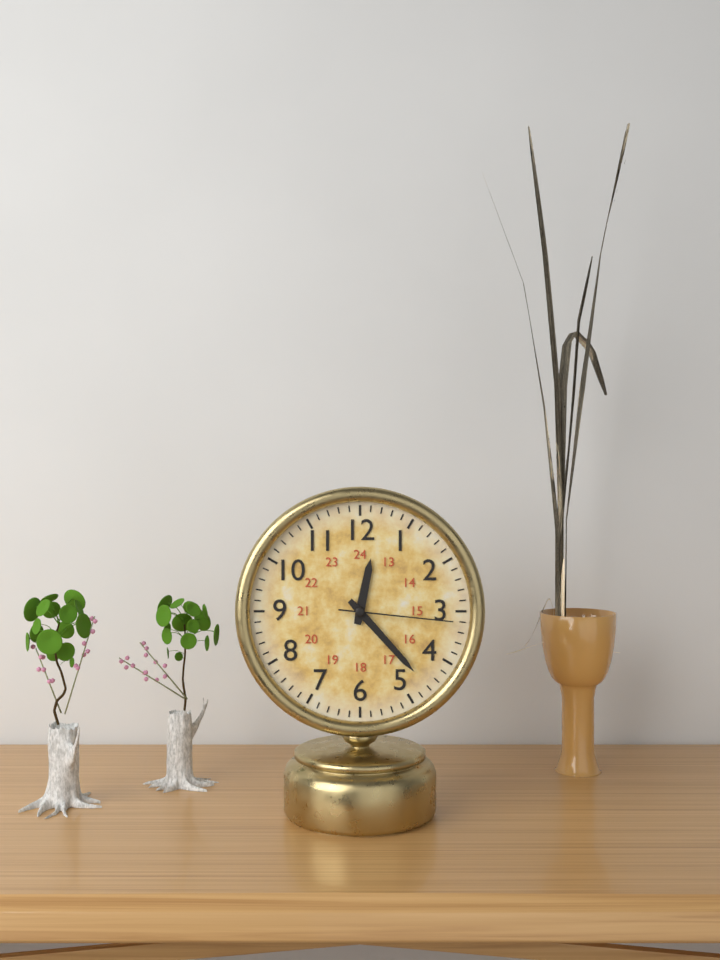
12:23:16
